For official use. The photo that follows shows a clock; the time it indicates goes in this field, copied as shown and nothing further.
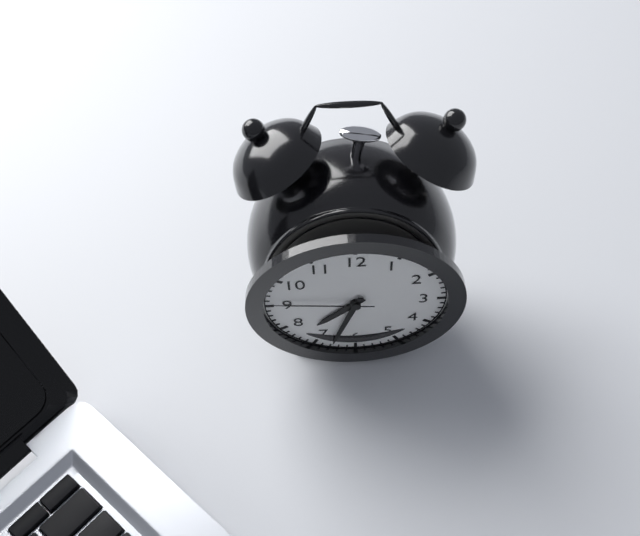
7:33:46
